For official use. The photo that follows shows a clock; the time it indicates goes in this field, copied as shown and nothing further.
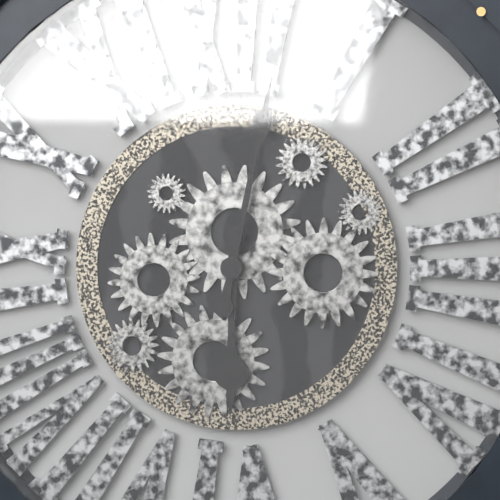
6:02
